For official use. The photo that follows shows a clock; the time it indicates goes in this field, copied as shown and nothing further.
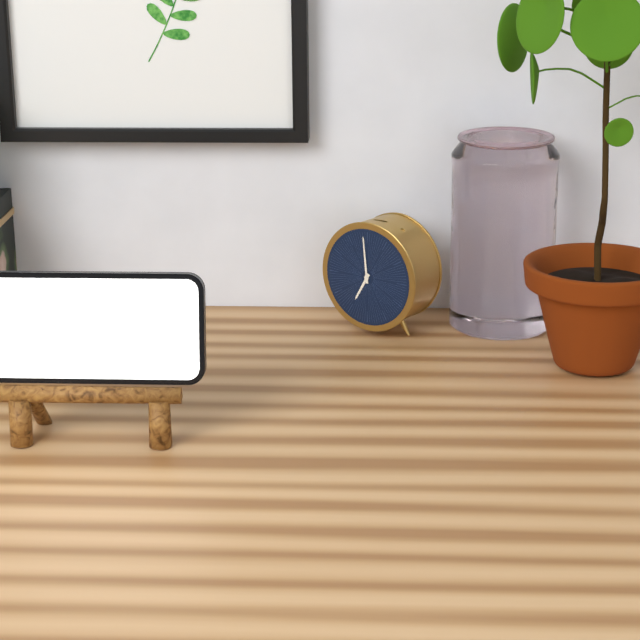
6:59
